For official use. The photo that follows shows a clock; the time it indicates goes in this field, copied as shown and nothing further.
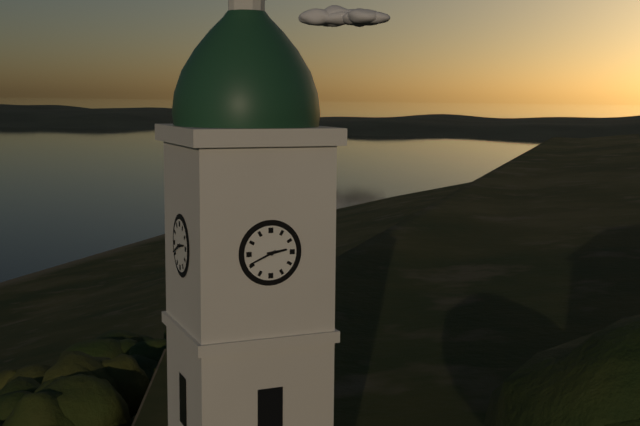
2:41
